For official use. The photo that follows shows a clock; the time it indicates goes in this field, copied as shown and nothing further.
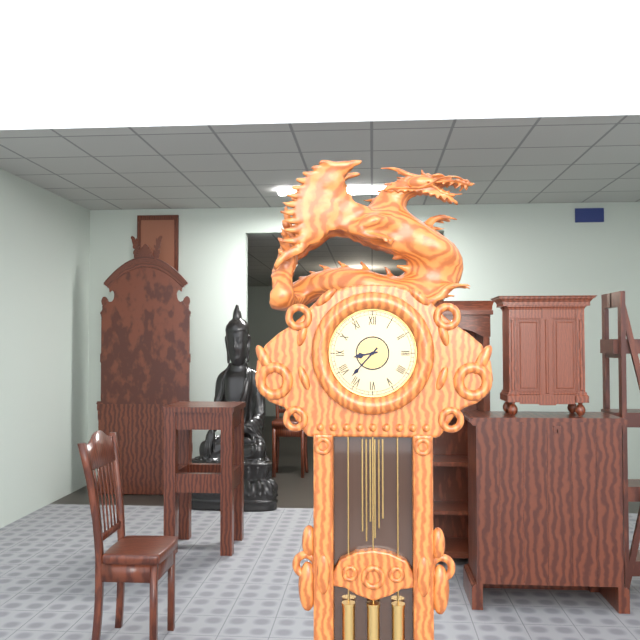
8:37
